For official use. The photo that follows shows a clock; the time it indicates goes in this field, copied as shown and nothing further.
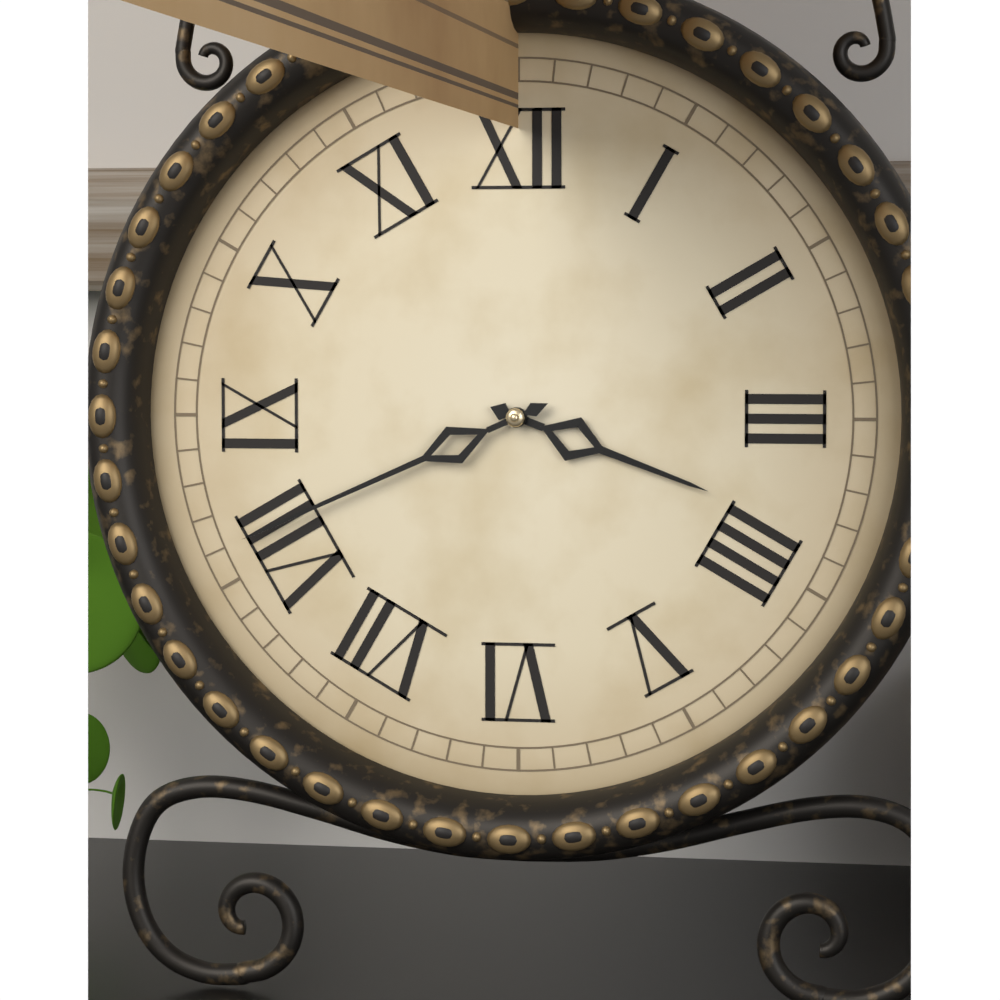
3:41
